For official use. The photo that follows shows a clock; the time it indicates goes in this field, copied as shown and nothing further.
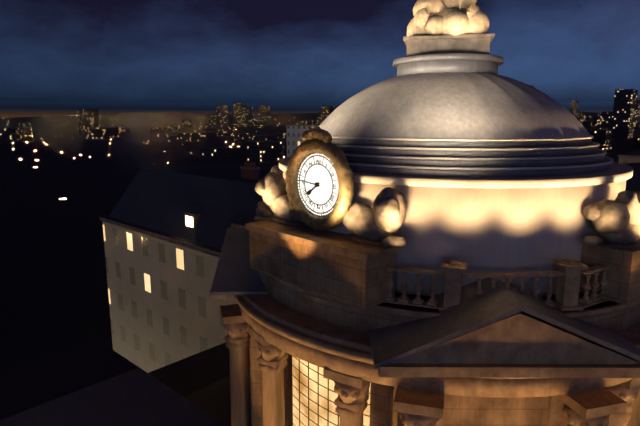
7:46
